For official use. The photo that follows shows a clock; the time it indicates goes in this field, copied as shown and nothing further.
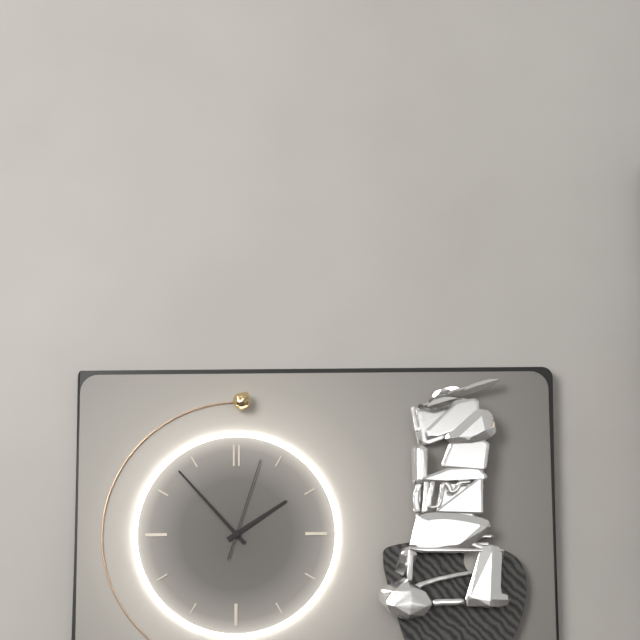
1:53:03
